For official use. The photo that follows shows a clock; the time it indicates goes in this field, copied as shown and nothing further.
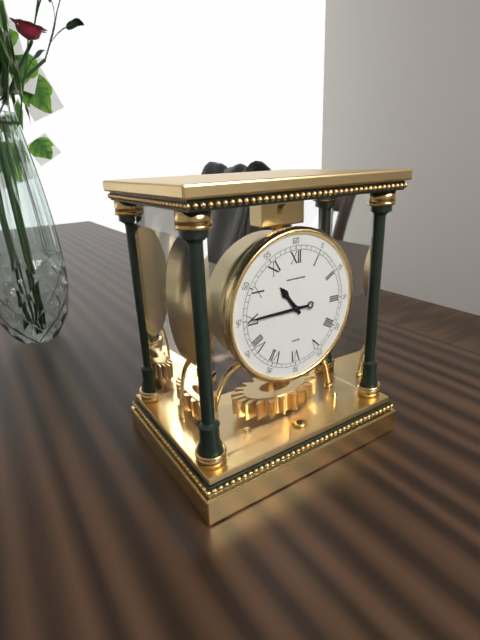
10:45
